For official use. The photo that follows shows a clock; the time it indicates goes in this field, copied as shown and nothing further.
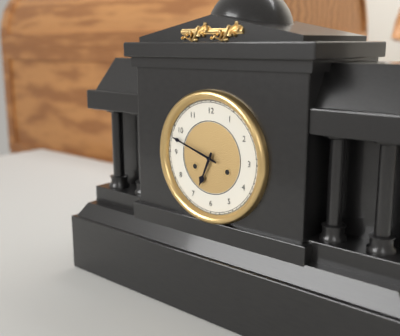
6:48
